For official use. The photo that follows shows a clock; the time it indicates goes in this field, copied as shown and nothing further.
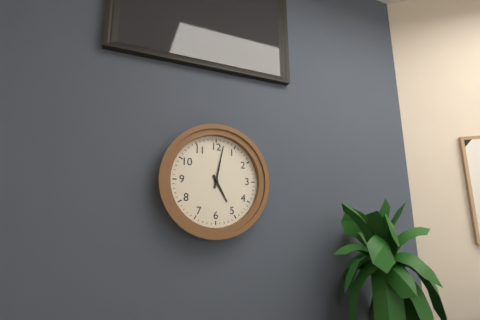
5:02
